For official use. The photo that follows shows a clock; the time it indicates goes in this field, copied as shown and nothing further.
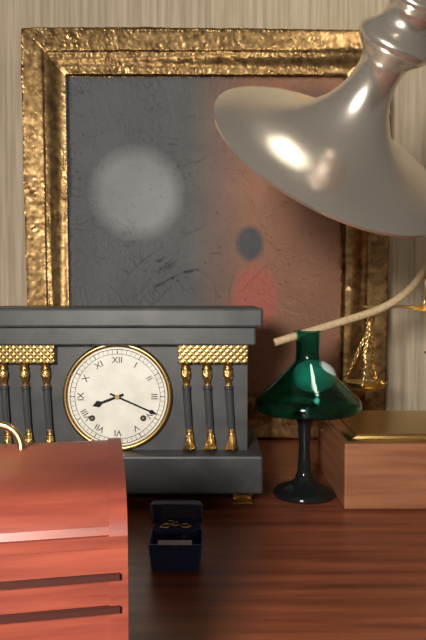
8:19
